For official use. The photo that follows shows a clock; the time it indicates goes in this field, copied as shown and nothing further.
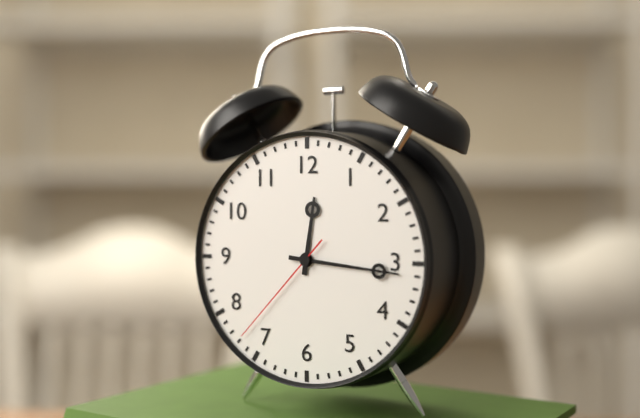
12:16:37
